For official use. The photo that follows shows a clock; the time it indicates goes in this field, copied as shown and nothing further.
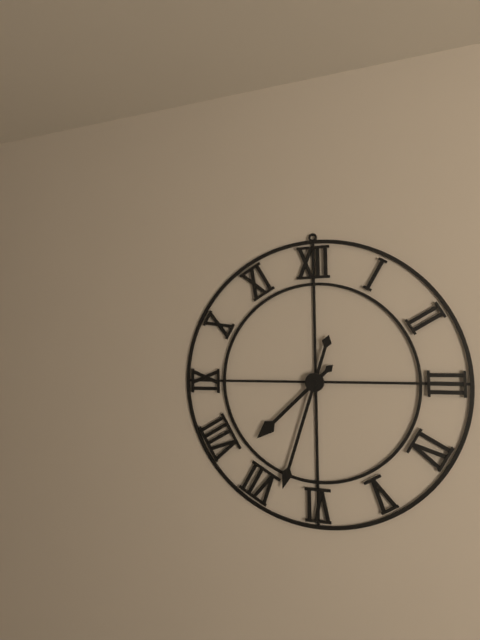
7:33
